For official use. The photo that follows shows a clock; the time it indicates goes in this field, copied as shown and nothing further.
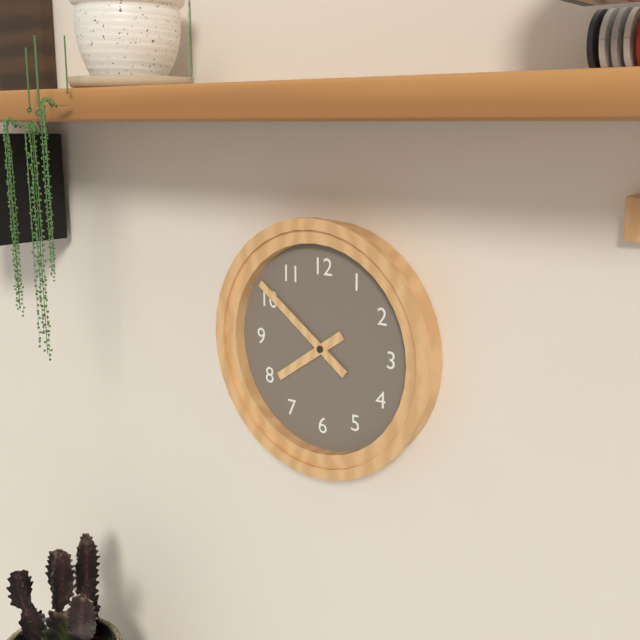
7:51
